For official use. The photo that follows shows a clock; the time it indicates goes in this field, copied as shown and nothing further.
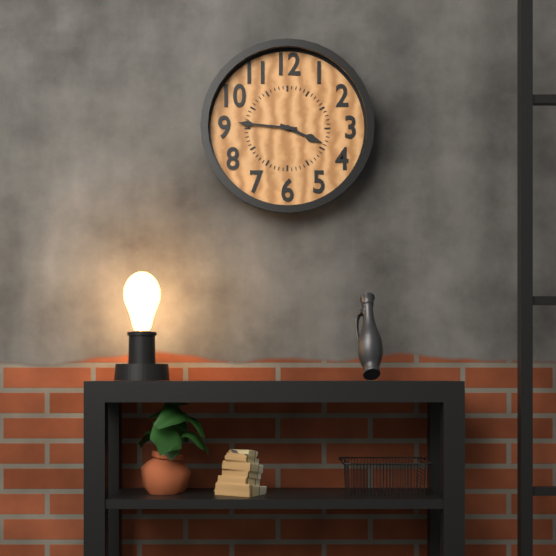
3:46
